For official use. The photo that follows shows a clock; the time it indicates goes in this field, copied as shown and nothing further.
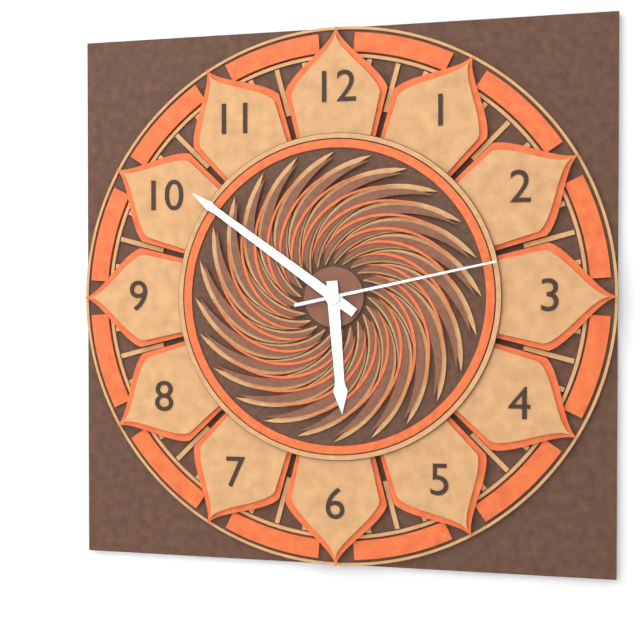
5:51:13
